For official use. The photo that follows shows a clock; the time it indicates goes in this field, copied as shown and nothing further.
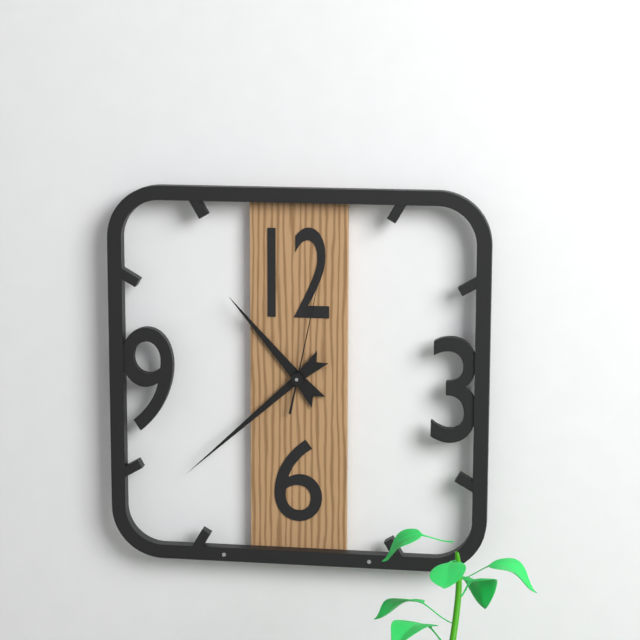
10:38:02
